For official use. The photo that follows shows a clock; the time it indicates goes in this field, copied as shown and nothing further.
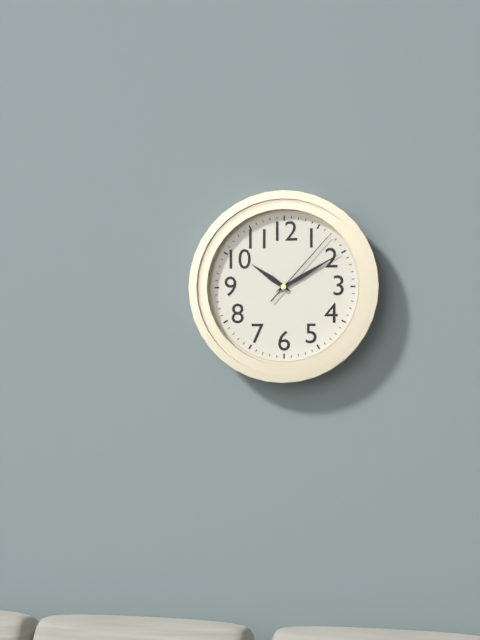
10:10:07
